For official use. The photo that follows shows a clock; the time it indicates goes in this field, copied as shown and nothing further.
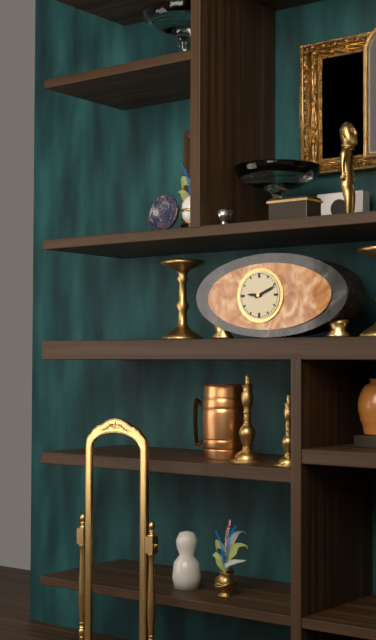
9:11
